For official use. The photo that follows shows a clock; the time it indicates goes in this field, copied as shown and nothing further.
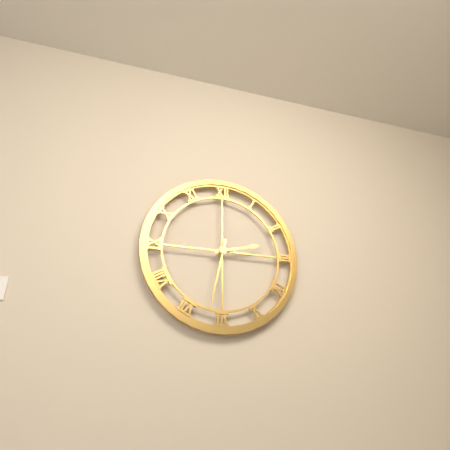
2:32
